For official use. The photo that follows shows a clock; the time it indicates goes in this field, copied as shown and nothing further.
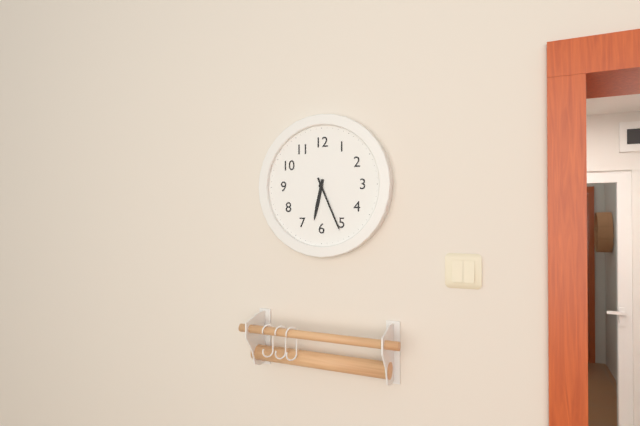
6:26
